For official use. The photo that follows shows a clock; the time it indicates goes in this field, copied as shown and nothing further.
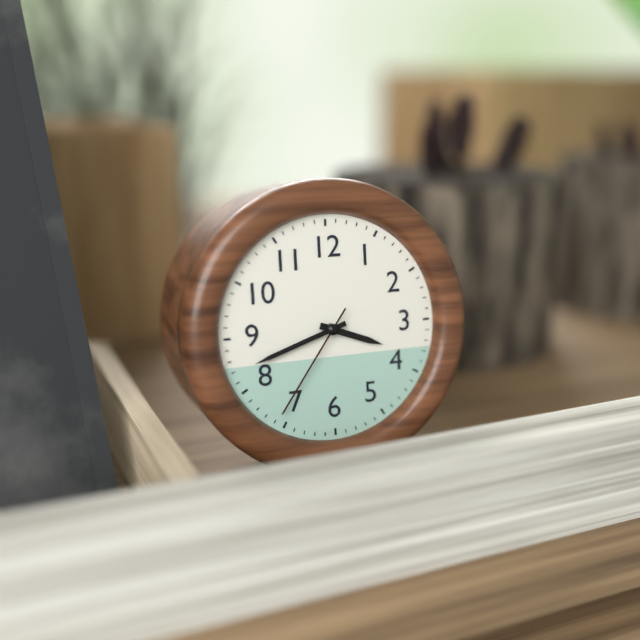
3:42:36
